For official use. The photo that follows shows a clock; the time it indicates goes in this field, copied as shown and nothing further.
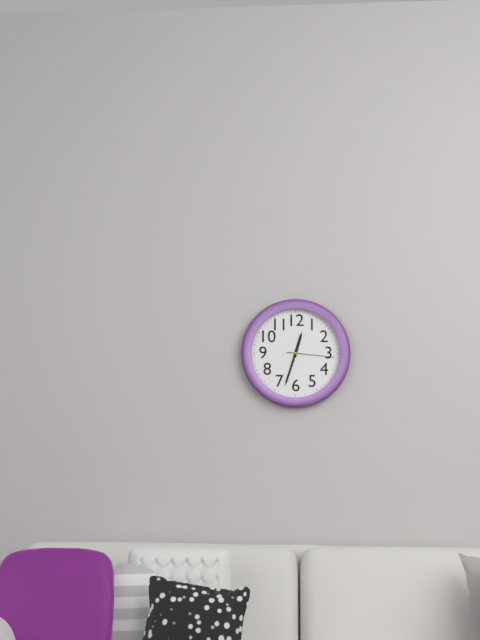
12:33
